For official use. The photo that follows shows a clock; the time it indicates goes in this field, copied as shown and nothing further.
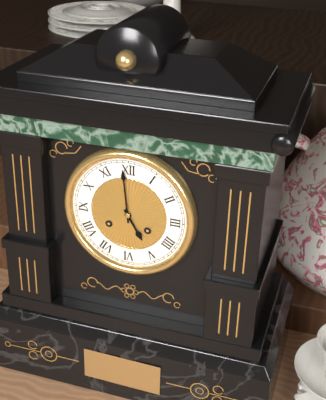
4:59
